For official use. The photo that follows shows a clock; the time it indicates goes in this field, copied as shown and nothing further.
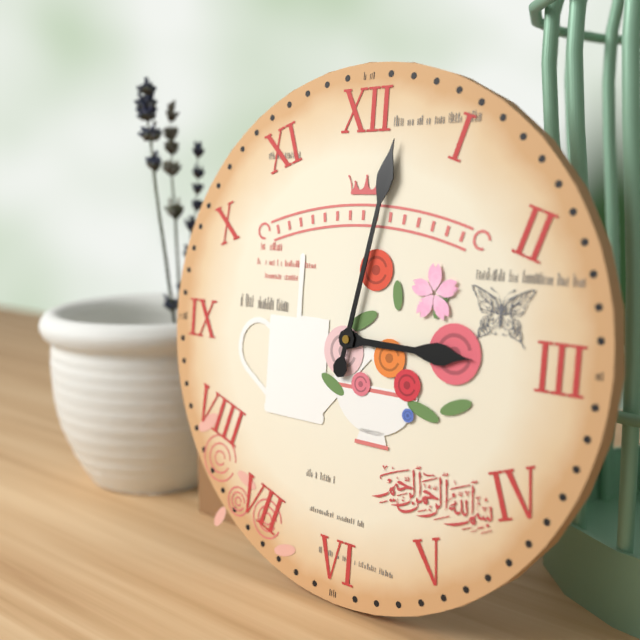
3:02
